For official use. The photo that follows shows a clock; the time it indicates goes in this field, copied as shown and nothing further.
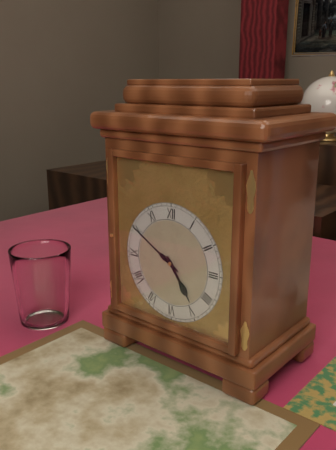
4:50
